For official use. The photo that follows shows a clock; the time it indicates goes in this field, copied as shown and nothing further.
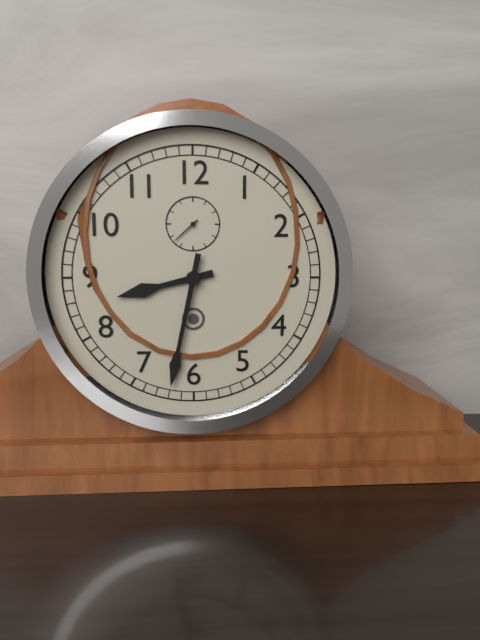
8:32
